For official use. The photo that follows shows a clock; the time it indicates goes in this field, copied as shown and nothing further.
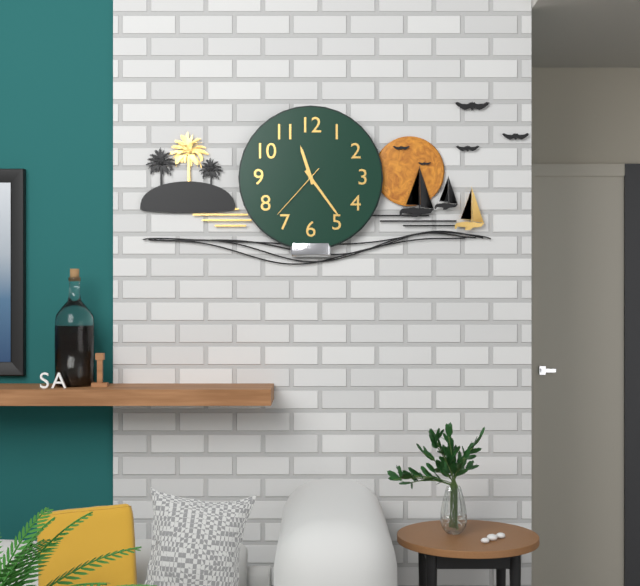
11:24:37
